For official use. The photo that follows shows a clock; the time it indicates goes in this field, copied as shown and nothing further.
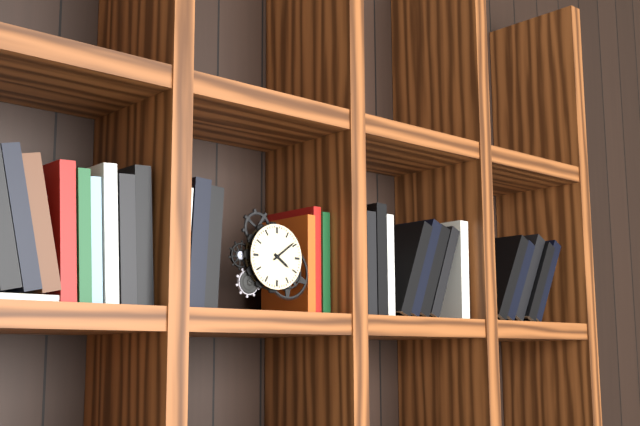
4:09
